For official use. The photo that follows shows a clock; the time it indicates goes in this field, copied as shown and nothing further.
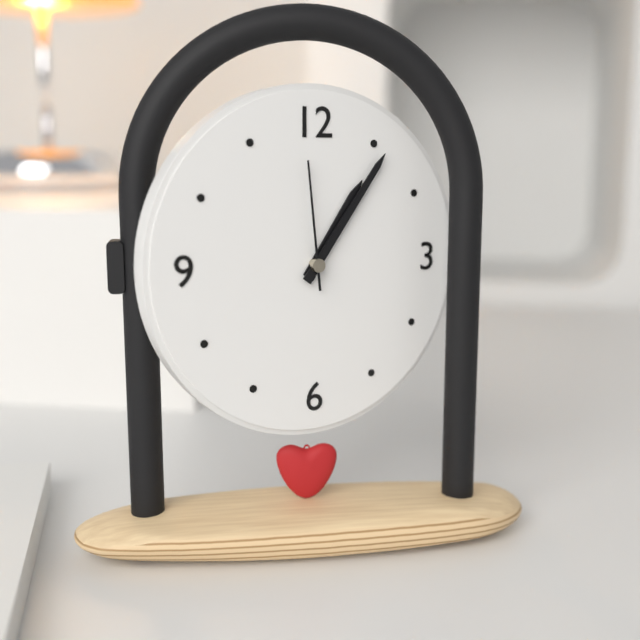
1:06:59
